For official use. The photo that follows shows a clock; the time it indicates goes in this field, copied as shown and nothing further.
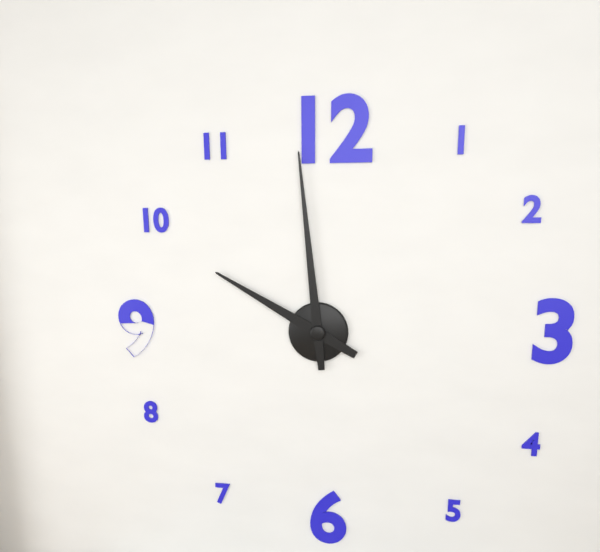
9:59
